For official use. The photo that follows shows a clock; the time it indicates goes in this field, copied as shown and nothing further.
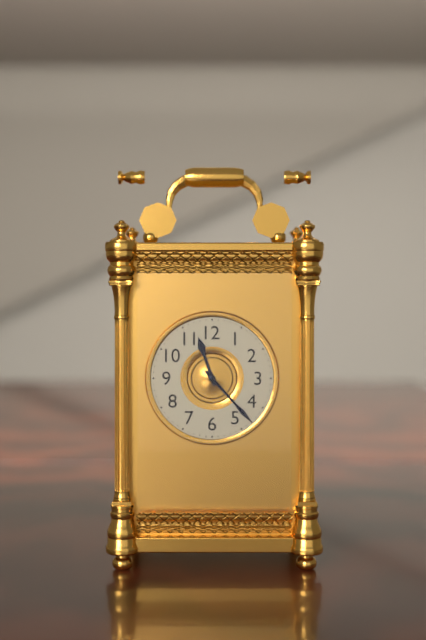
11:23
